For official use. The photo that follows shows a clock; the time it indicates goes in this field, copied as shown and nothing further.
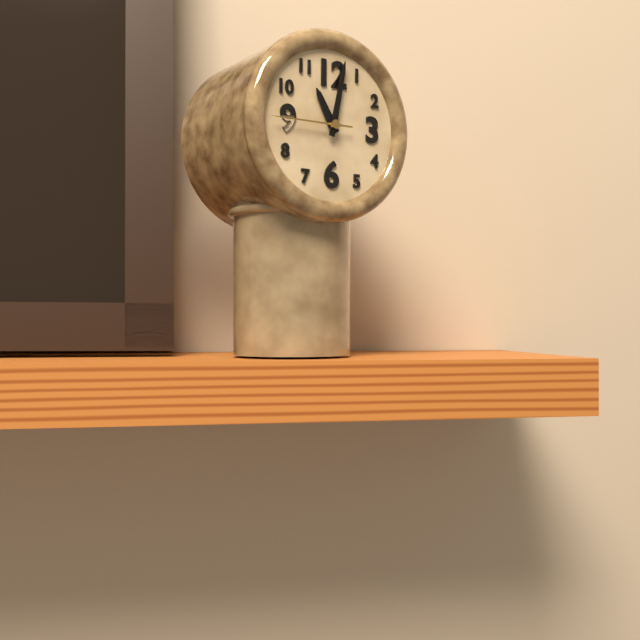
11:02:45
